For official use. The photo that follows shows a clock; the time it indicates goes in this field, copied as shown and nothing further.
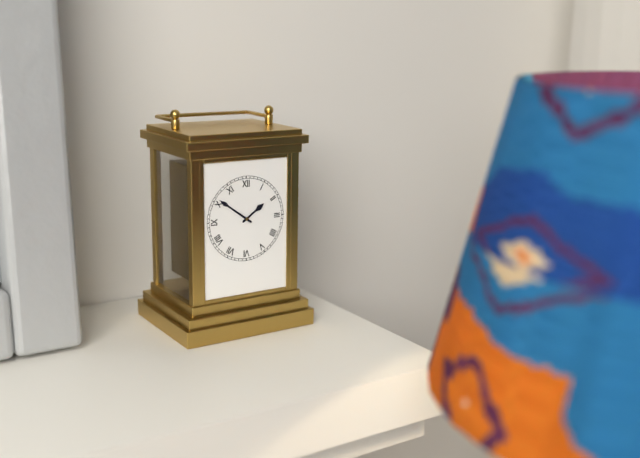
1:51
